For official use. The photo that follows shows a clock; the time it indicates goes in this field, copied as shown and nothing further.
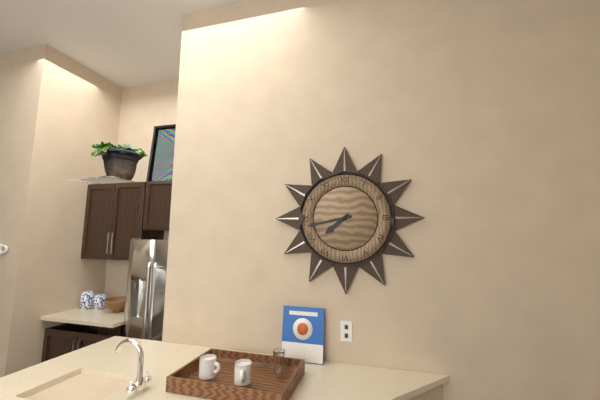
7:43
